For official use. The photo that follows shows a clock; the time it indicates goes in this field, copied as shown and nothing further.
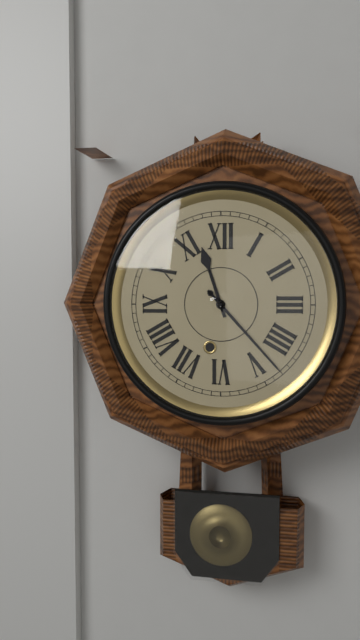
11:23
